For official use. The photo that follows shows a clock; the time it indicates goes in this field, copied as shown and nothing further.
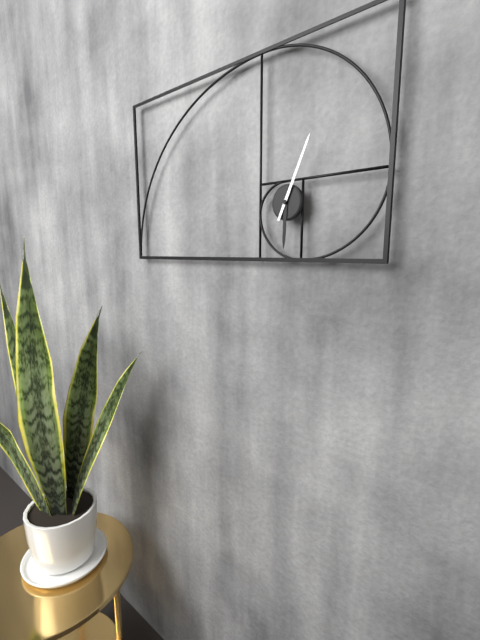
6:04
